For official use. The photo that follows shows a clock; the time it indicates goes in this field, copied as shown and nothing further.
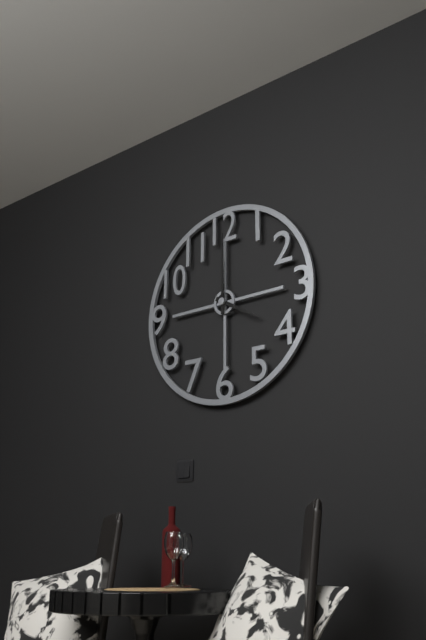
4:00
